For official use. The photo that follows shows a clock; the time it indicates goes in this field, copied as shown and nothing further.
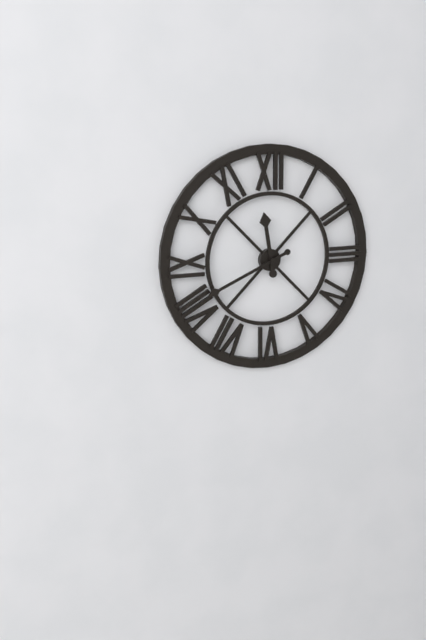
11:41
